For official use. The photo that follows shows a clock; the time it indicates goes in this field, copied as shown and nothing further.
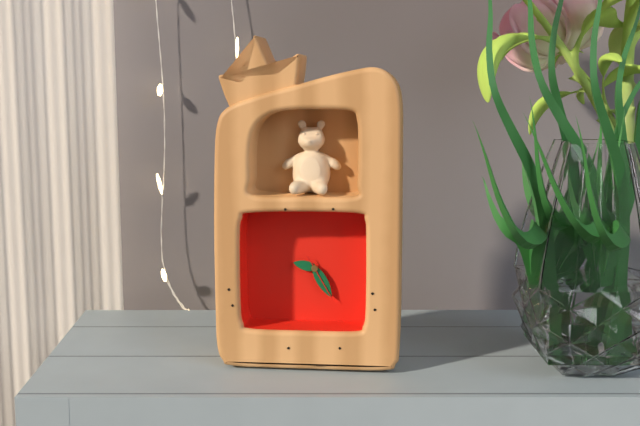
9:25
